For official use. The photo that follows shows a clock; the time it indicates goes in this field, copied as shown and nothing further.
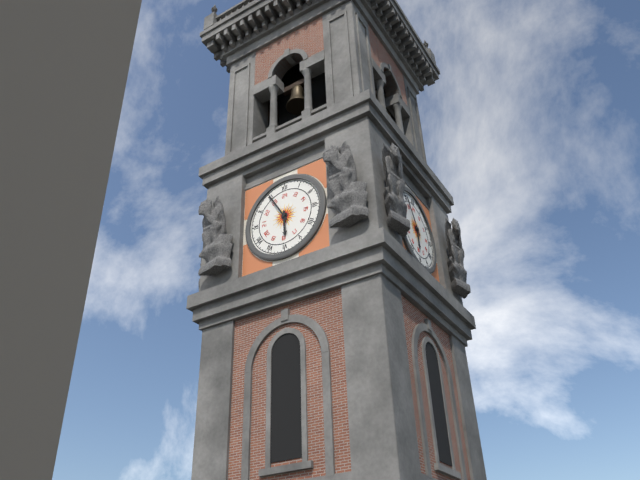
5:55
